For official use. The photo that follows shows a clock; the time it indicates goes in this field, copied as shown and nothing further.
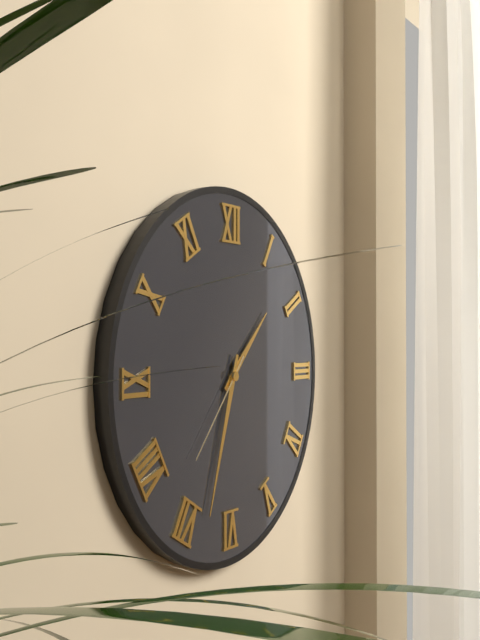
1:33:37
